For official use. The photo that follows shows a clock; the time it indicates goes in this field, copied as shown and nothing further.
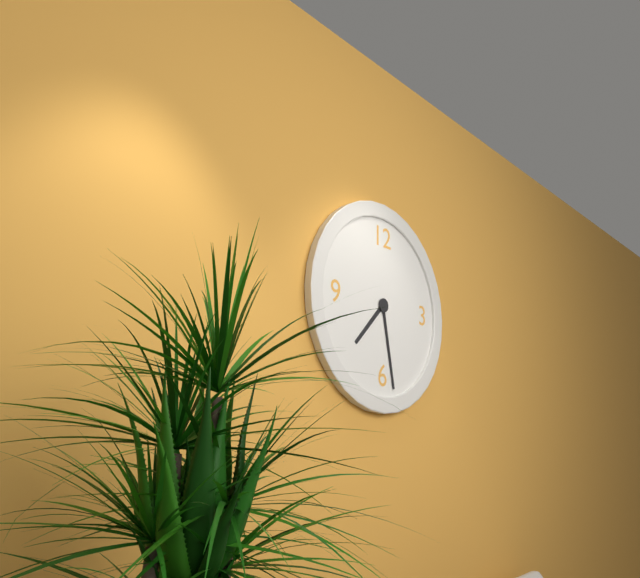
7:28
